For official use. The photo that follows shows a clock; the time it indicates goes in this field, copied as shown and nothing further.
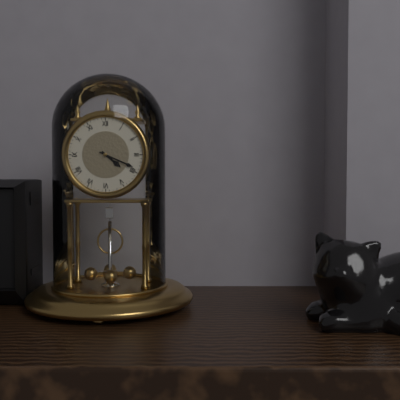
4:19
